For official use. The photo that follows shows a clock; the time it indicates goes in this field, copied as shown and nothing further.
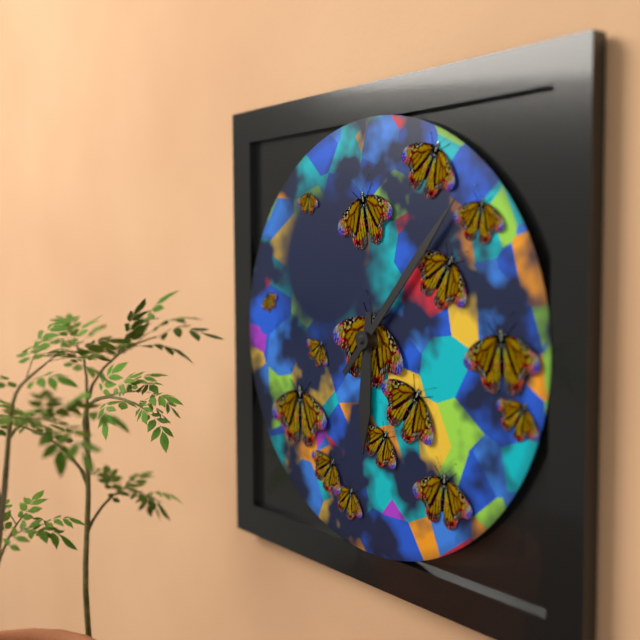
6:07
